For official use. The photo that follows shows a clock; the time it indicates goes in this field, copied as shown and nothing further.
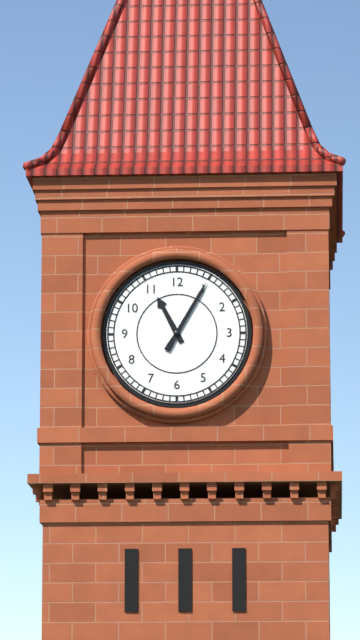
11:05
